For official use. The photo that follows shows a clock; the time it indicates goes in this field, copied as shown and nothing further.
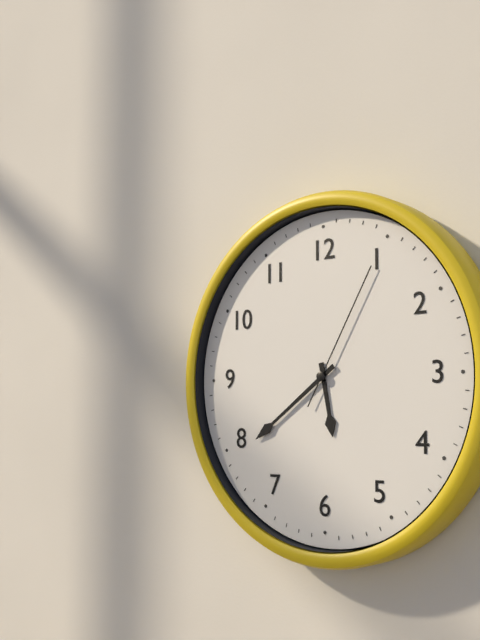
5:39:05
